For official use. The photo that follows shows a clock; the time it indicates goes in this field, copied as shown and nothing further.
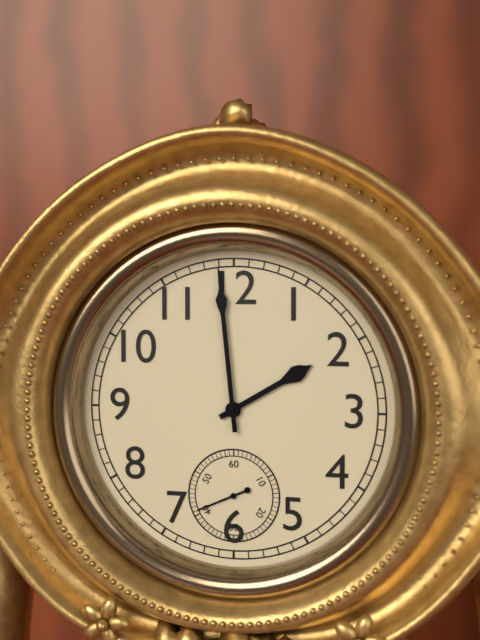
1:59:41
